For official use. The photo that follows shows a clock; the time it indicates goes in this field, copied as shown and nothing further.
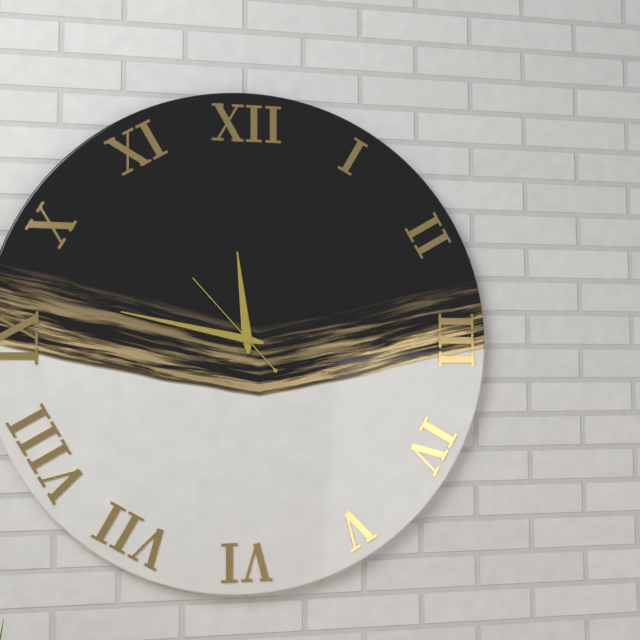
11:47:53
